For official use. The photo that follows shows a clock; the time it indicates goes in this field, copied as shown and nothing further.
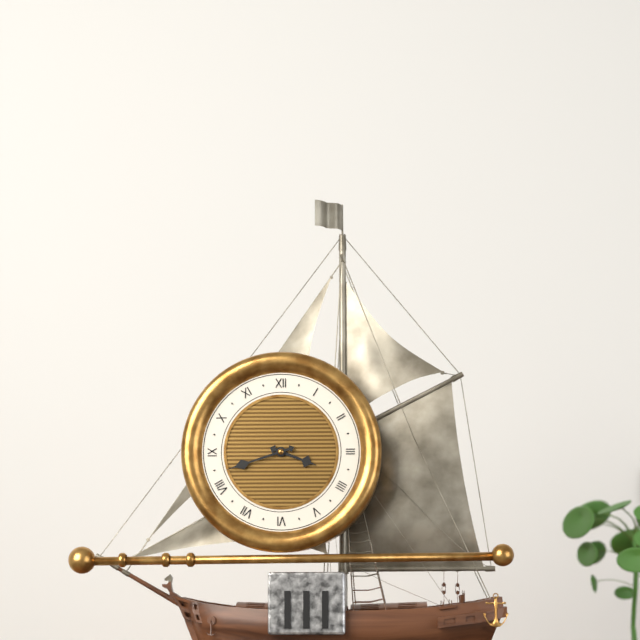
3:42
